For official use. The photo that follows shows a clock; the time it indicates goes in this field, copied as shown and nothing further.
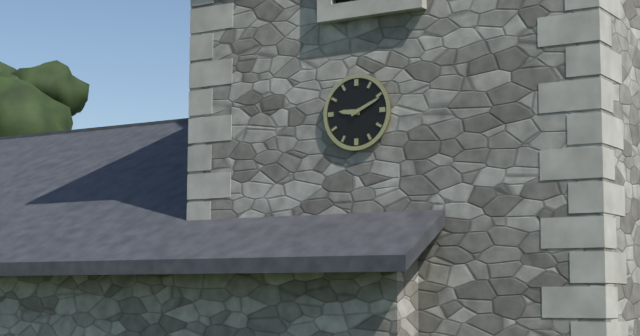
9:11
